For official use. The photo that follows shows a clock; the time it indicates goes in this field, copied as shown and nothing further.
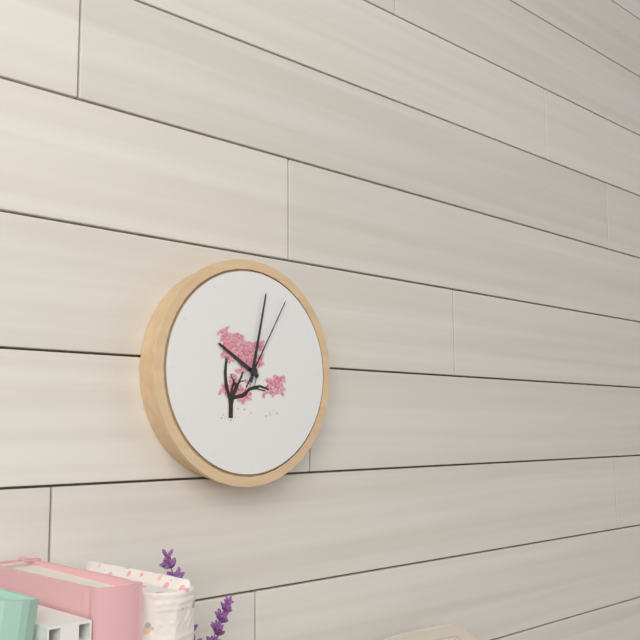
10:02:05
